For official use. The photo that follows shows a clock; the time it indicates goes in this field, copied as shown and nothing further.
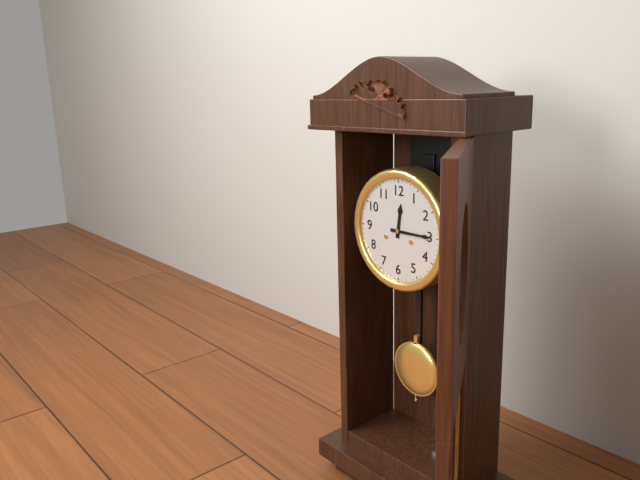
12:15
